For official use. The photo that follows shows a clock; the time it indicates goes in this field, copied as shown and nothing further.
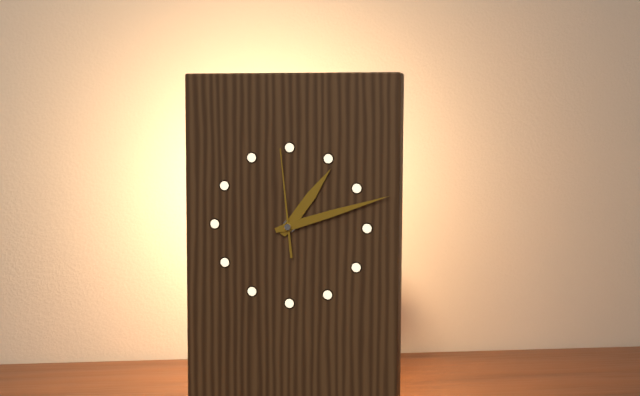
1:12:59
